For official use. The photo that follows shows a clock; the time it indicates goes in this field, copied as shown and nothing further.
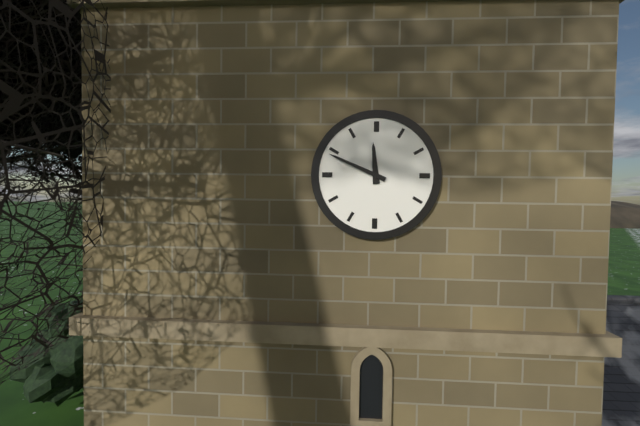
11:49
